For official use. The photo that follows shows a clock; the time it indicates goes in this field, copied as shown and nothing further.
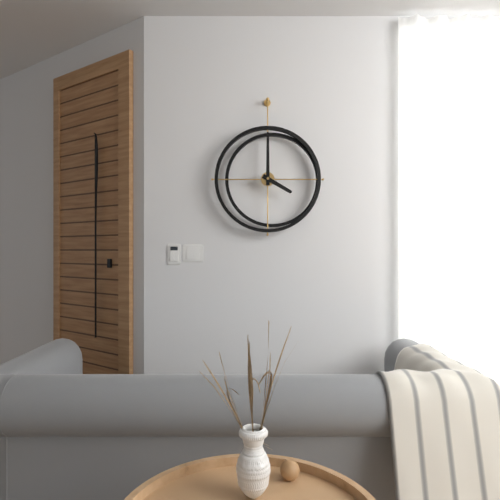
4:00
